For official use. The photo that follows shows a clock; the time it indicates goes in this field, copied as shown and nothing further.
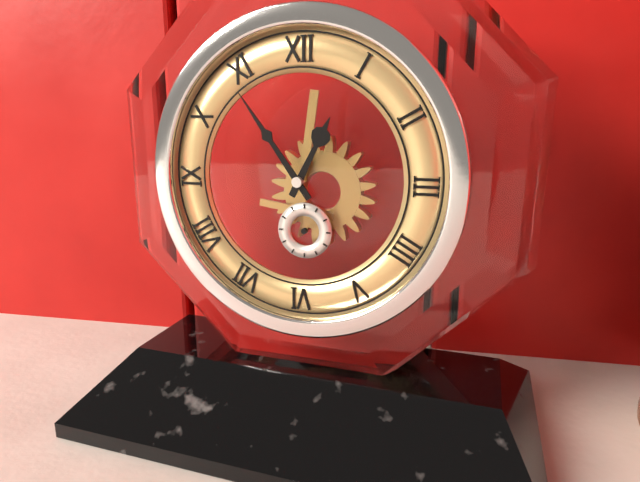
12:54
